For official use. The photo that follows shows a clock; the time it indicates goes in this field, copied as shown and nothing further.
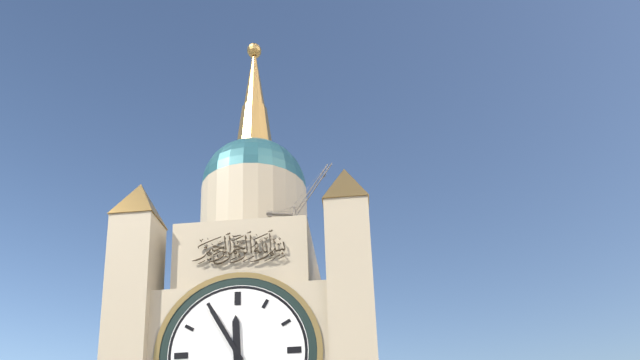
11:55
